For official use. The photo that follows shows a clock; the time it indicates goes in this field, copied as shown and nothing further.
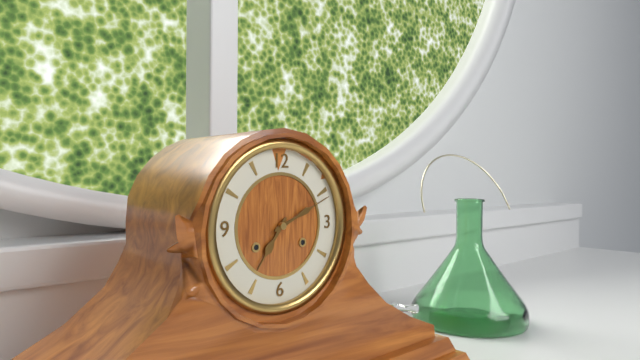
7:11
